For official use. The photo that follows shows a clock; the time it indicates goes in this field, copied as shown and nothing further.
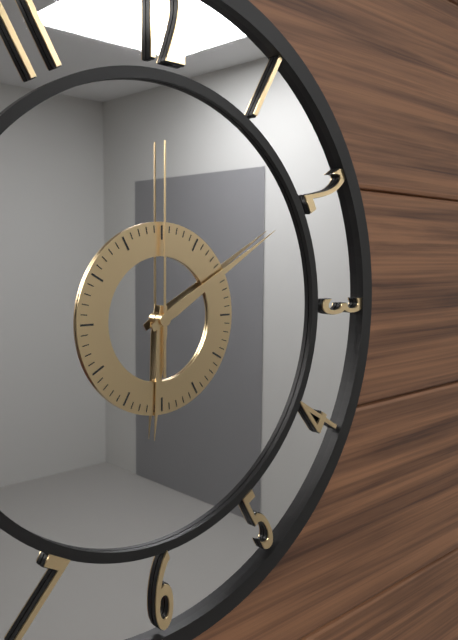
6:10:00
